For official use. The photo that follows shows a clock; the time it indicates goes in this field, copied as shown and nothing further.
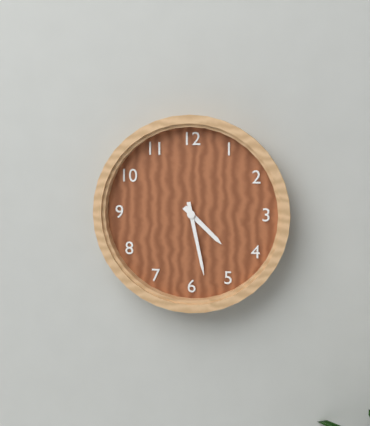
4:28
